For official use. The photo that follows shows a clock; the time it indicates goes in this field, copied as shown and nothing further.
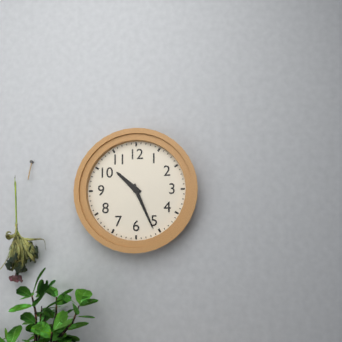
10:26
